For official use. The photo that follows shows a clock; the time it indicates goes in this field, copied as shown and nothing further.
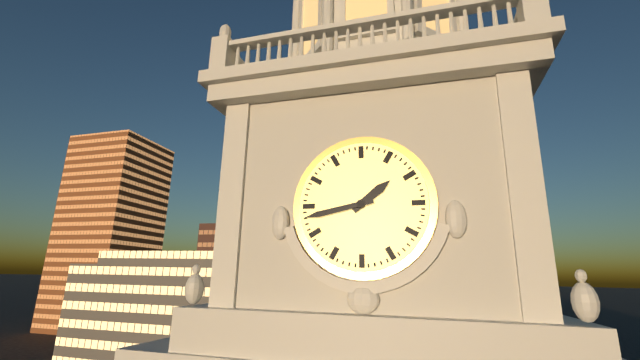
1:43
